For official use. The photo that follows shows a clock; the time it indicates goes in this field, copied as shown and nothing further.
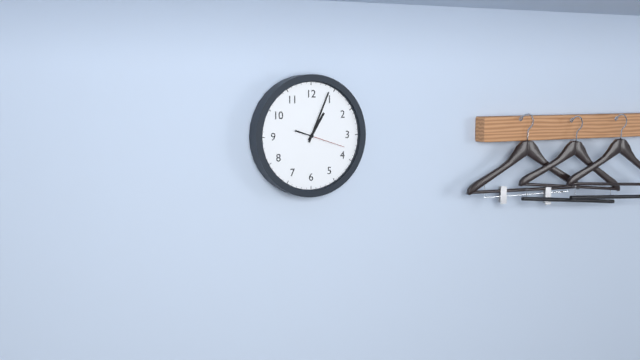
1:04:18
